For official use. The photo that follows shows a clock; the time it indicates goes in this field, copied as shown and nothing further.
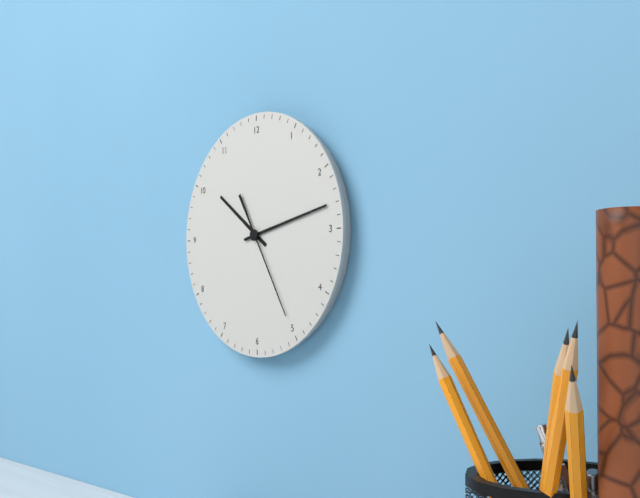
10:13:25
